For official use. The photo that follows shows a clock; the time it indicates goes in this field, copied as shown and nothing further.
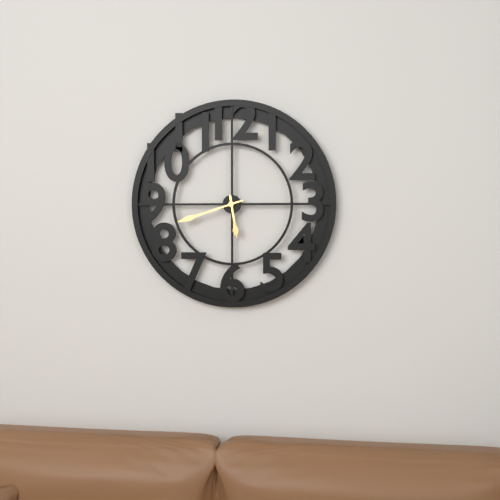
5:42
